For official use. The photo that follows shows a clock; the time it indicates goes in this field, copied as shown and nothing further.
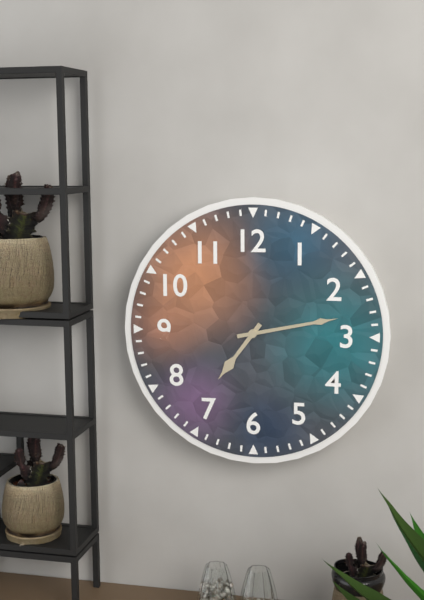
7:13
